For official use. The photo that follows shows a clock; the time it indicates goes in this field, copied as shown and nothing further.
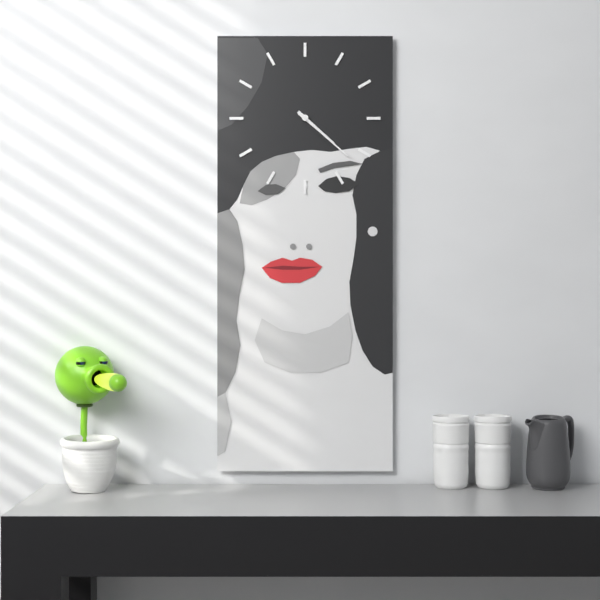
4:22
